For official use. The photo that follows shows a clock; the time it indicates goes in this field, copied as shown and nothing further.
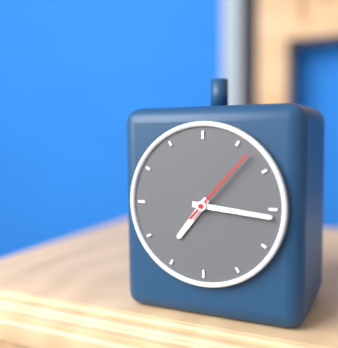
7:16:07
